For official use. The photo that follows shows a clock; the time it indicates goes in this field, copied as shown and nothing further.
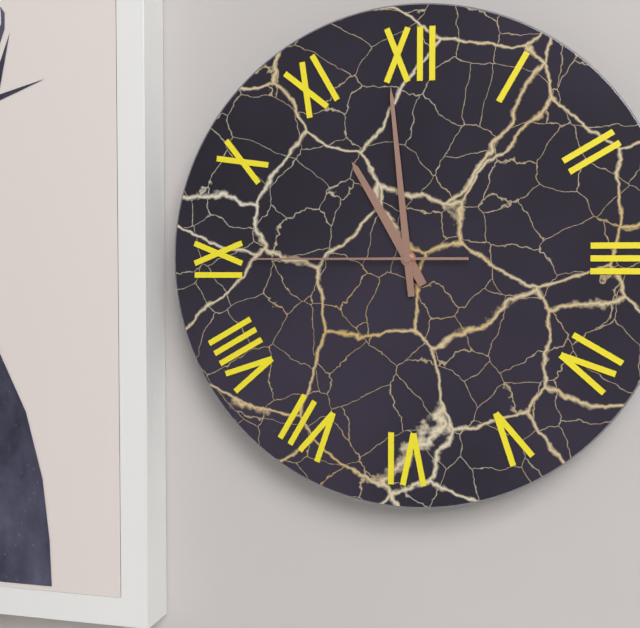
10:59:45
